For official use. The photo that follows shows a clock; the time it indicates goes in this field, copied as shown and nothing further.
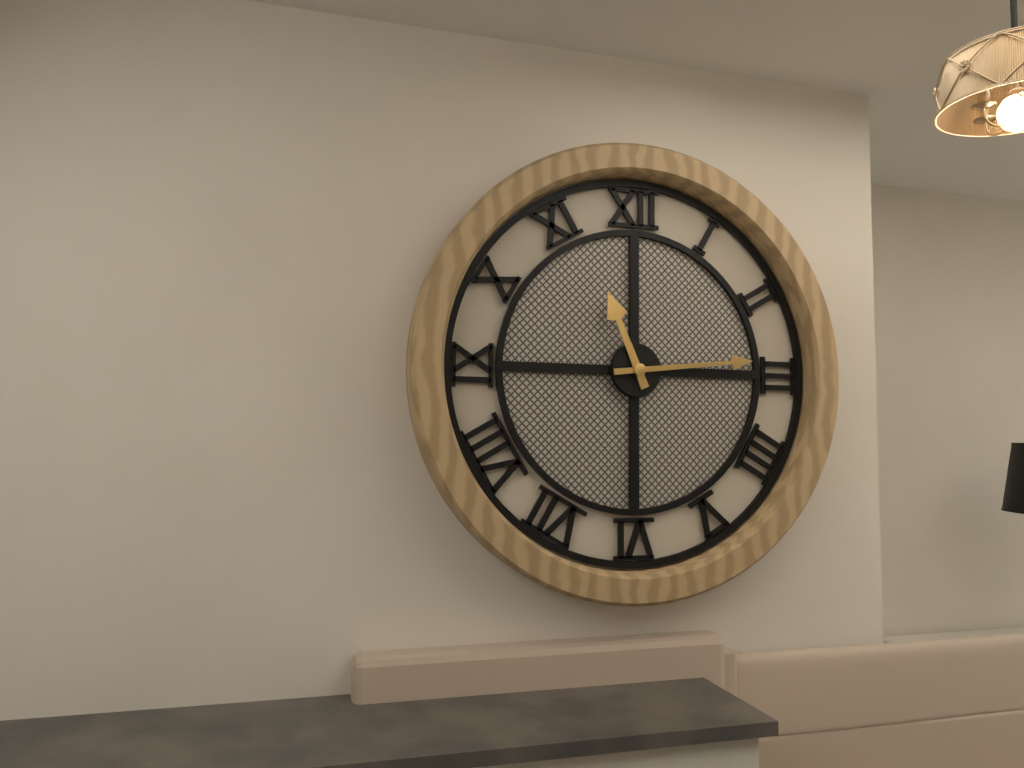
11:14
